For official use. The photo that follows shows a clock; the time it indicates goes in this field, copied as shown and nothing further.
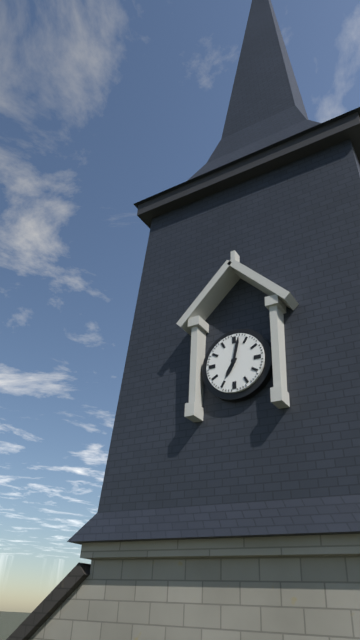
7:02
